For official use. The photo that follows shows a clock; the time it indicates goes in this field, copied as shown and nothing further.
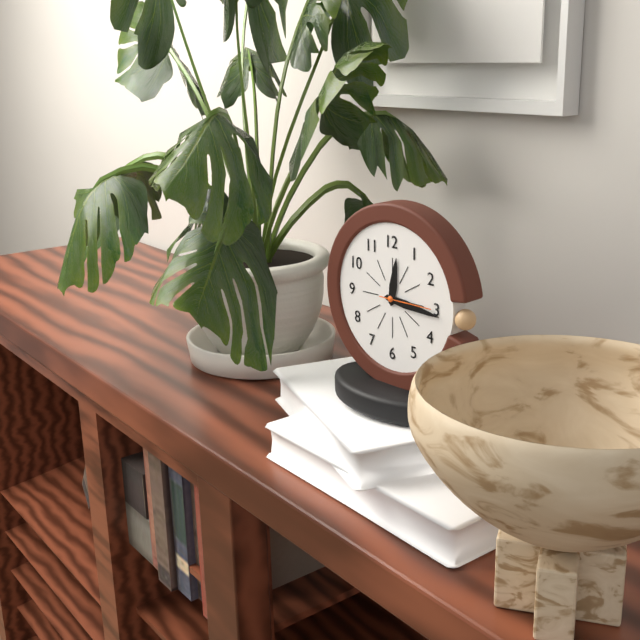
12:16
